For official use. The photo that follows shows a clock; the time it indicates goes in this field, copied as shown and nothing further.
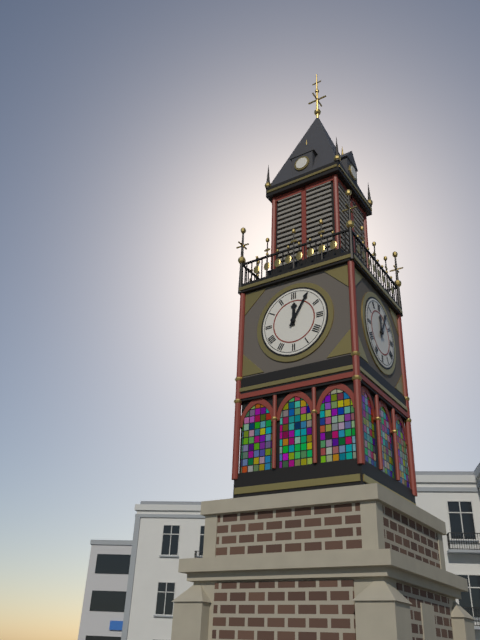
12:05
